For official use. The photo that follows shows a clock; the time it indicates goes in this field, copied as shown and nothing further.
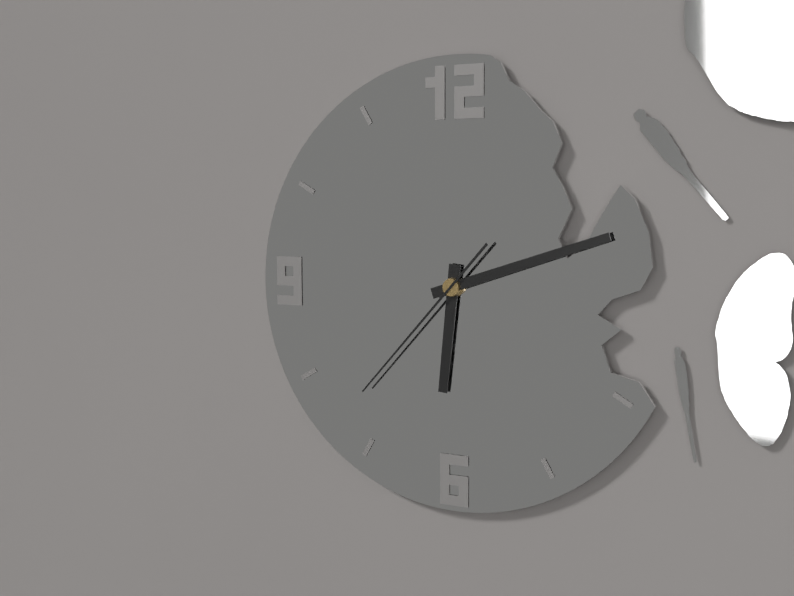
6:12:37
